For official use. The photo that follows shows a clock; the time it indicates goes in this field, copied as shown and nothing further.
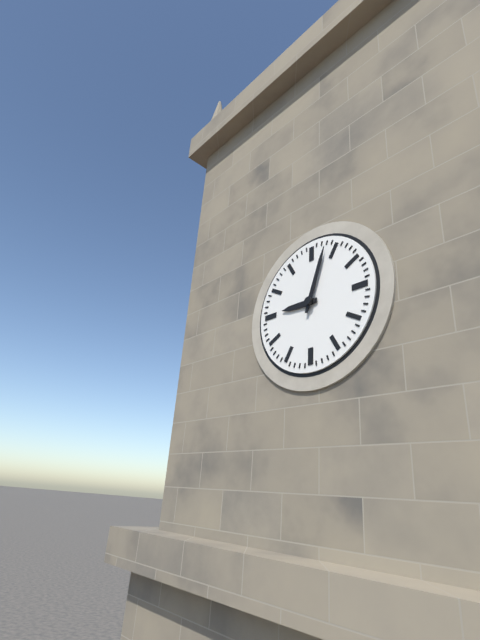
9:03
